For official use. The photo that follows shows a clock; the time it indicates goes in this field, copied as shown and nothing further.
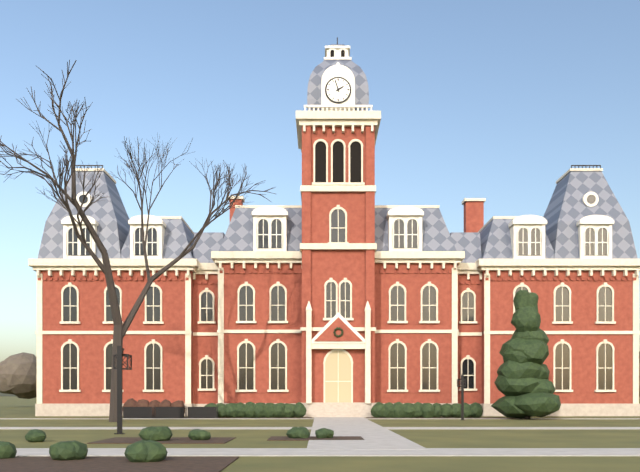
1:57
